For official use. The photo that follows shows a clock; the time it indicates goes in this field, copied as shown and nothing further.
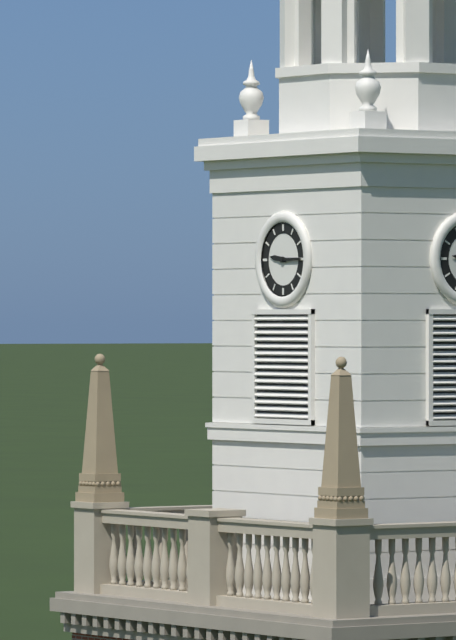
9:15
